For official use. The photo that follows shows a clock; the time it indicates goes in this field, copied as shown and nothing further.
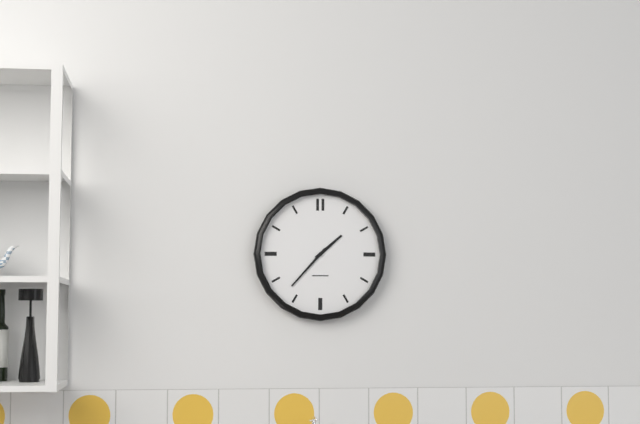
1:37
